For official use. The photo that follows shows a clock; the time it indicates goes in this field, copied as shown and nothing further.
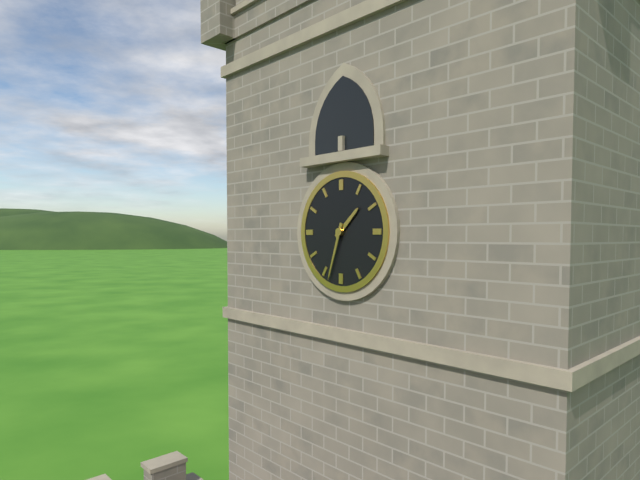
1:33
